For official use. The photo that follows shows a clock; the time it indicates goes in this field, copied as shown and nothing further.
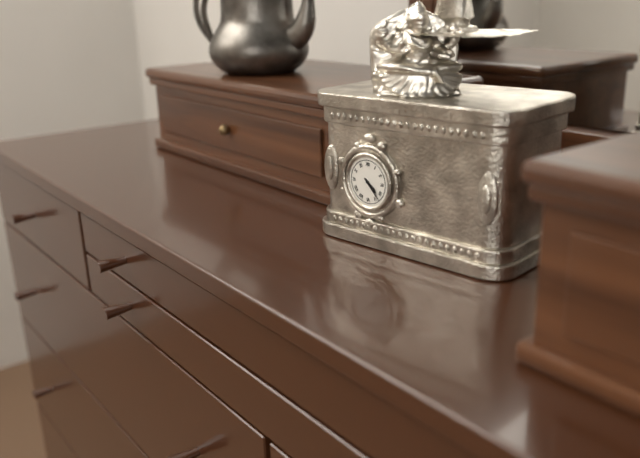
4:23
